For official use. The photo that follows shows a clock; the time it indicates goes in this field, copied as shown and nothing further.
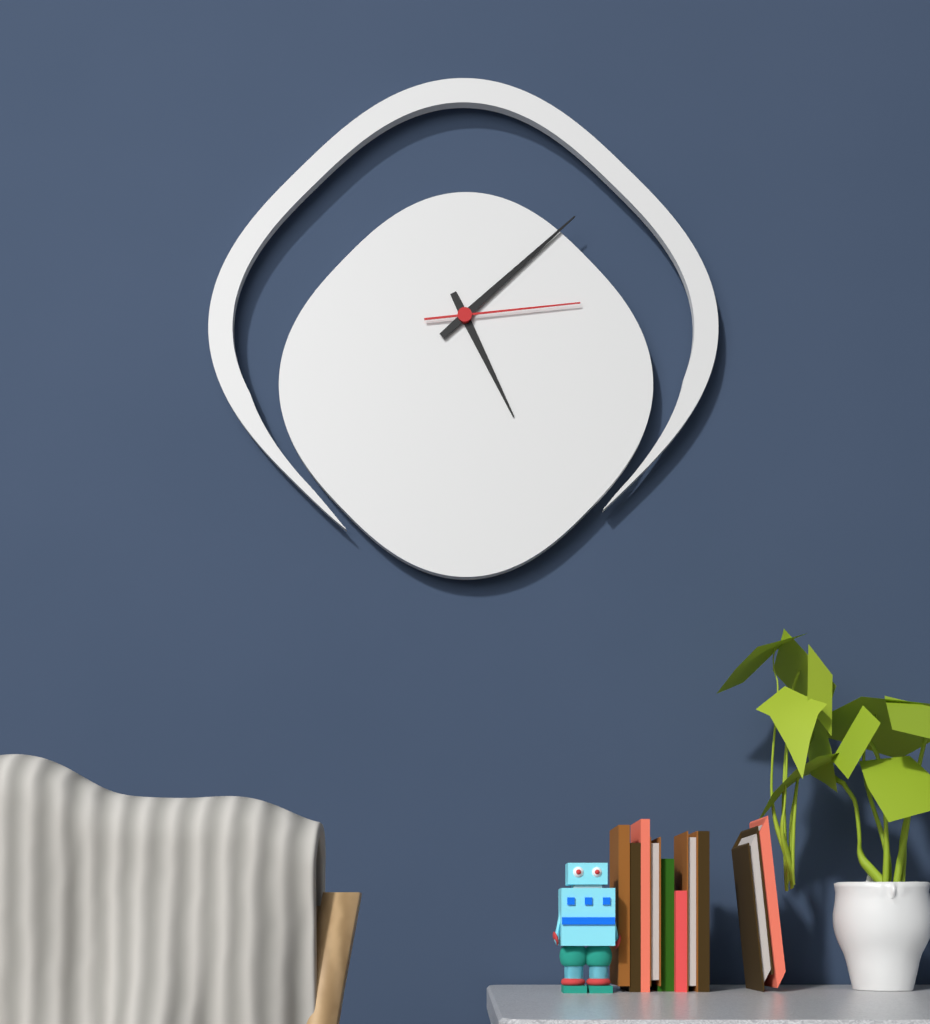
5:08:14
